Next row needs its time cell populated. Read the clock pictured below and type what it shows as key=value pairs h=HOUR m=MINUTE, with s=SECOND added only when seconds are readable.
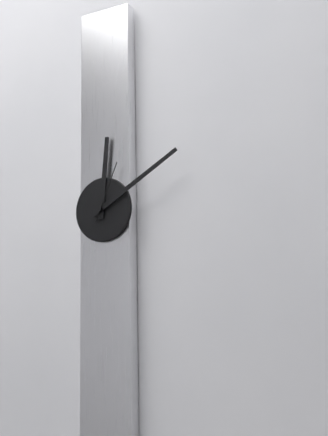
h=12 m=10 s=4
